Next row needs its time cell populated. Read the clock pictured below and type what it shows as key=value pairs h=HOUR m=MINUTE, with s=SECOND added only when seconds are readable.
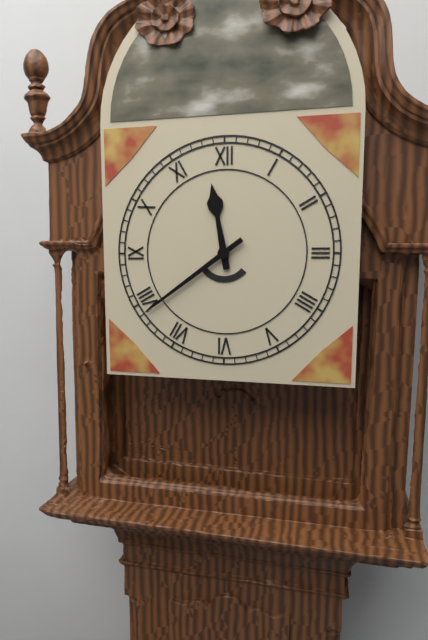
h=11 m=39
